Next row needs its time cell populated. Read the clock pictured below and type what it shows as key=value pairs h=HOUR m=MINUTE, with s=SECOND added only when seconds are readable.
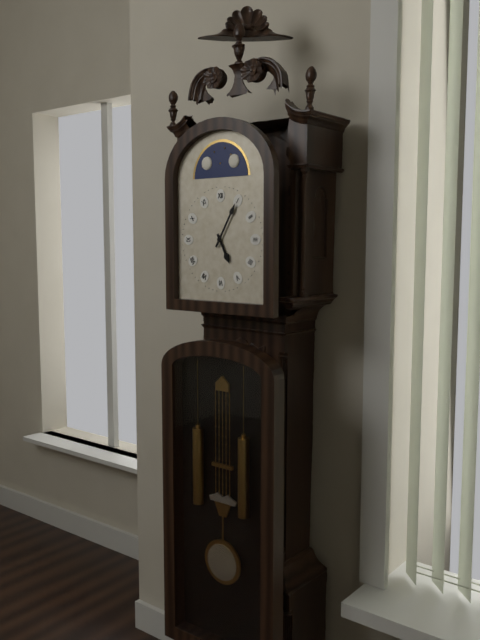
h=5 m=5
